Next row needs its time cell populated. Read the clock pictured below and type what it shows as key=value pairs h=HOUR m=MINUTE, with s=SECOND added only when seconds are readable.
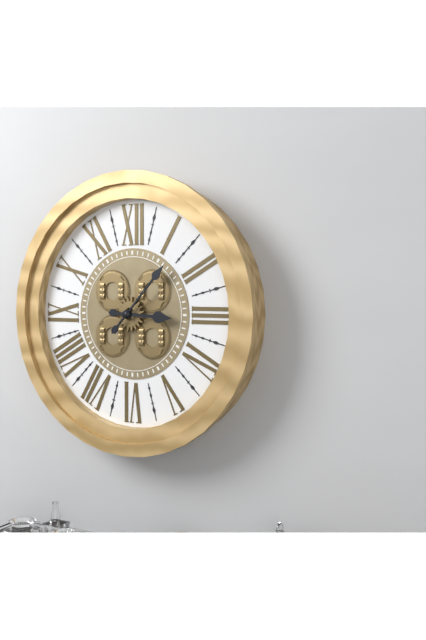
h=3 m=7
